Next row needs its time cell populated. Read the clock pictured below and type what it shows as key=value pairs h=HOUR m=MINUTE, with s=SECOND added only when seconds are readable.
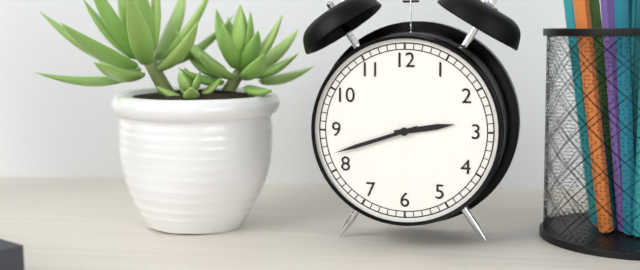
h=2 m=42
